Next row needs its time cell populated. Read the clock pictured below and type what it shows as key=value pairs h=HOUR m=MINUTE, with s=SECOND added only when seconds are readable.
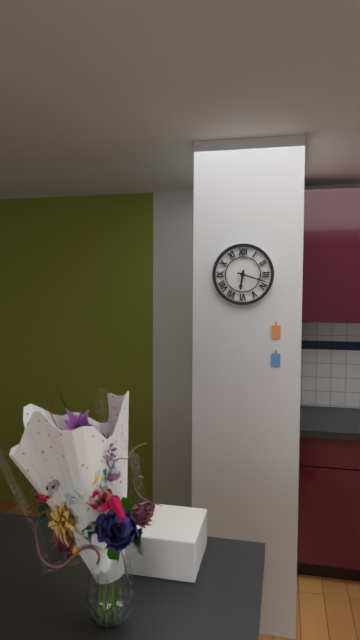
h=6 m=18
